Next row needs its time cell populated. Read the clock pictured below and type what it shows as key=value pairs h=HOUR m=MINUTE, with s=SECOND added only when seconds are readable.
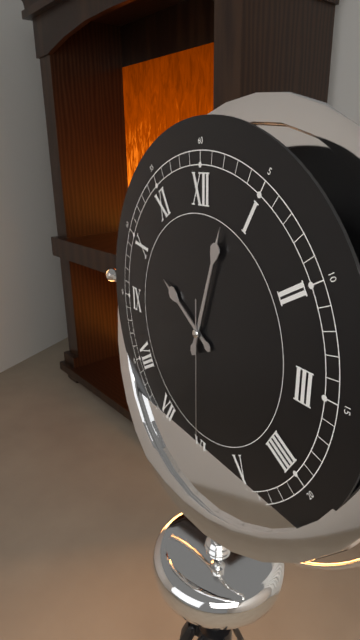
h=10 m=3 s=30
